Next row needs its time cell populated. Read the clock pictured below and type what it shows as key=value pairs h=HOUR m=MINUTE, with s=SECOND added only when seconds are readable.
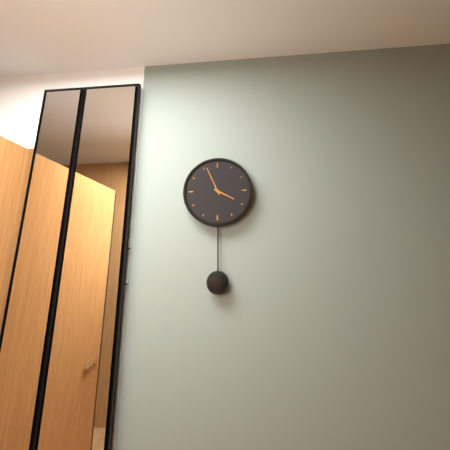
h=3 m=56
